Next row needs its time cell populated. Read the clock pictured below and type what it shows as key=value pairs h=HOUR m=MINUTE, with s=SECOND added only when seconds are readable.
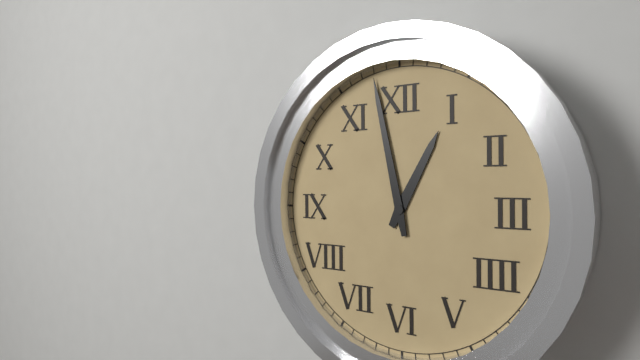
h=12 m=58
